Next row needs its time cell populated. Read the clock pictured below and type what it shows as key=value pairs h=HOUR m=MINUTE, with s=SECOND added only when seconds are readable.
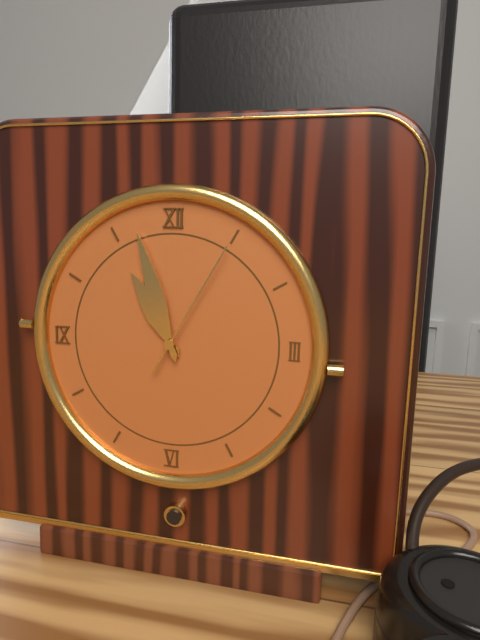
h=10 m=57 s=5
